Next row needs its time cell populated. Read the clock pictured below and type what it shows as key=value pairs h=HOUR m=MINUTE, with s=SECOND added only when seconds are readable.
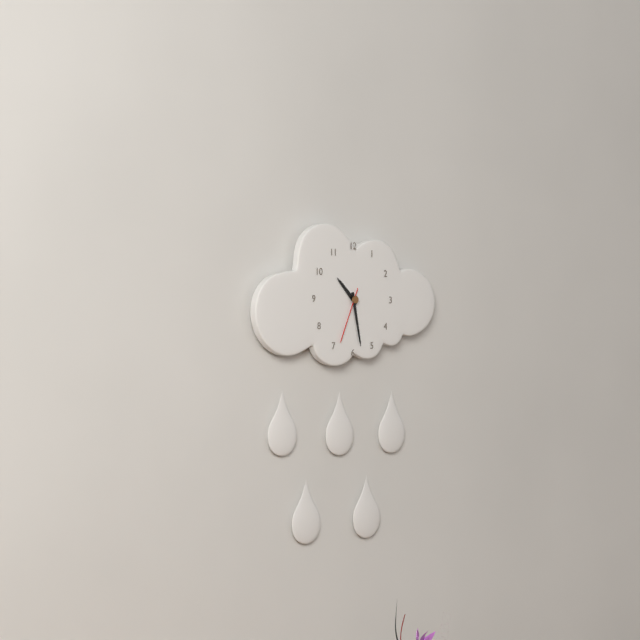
h=10 m=28 s=34
